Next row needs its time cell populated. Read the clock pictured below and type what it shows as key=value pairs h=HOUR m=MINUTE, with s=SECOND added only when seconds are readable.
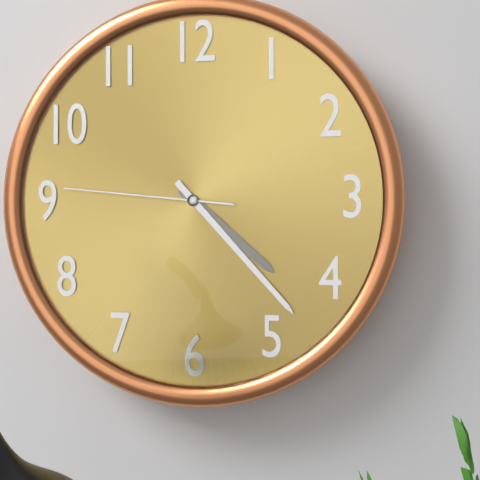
h=4 m=23 s=46
